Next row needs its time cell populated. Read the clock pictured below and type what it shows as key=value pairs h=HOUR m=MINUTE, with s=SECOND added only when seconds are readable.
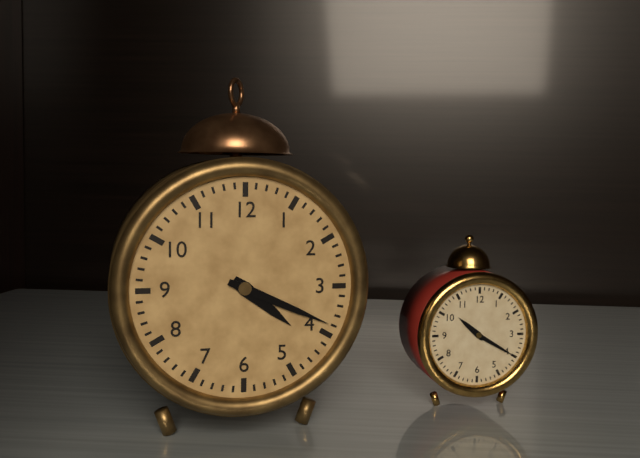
h=4 m=19
